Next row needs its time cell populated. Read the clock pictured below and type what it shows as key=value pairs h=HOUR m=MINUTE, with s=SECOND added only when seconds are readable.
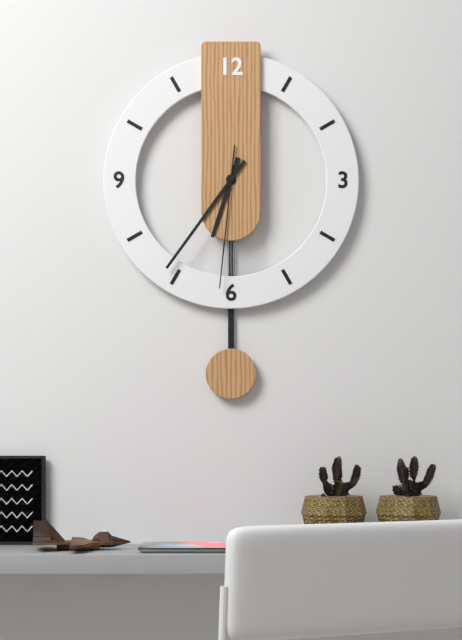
h=6 m=36 s=31
